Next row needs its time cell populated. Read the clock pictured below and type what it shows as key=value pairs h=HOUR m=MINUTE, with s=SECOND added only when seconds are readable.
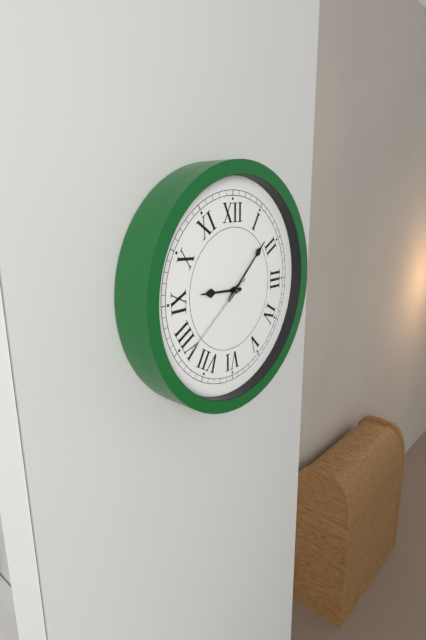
h=9 m=8 s=39
